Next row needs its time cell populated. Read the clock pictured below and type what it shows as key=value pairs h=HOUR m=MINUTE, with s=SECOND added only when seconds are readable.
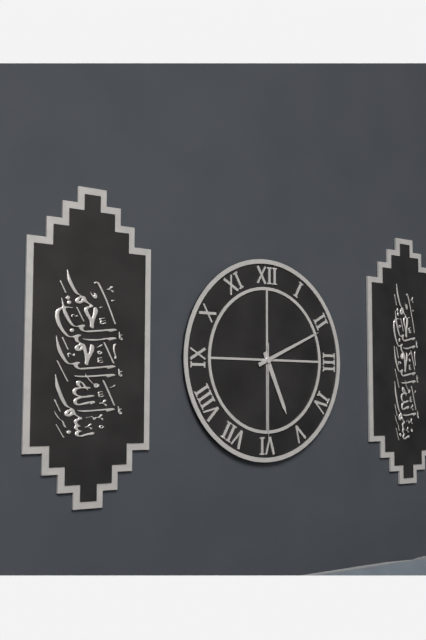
h=5 m=11 s=30
